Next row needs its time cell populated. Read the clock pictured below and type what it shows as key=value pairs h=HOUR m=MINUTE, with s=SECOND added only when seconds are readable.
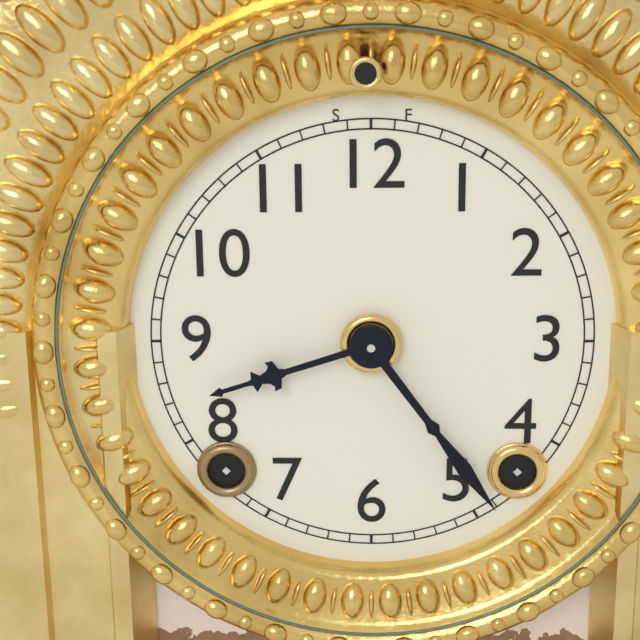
h=8 m=24
